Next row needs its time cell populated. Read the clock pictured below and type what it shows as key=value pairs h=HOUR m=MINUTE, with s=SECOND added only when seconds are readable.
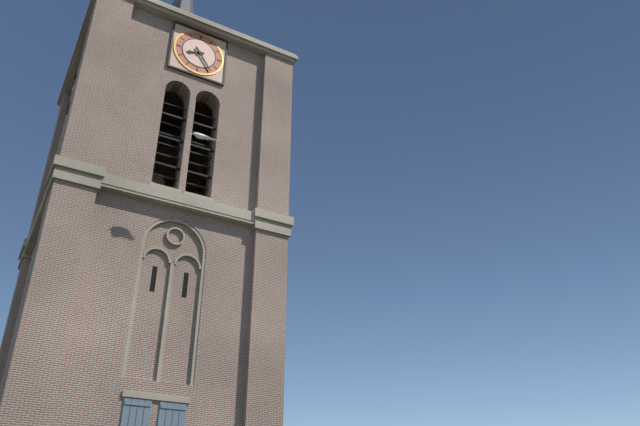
h=8 m=24
